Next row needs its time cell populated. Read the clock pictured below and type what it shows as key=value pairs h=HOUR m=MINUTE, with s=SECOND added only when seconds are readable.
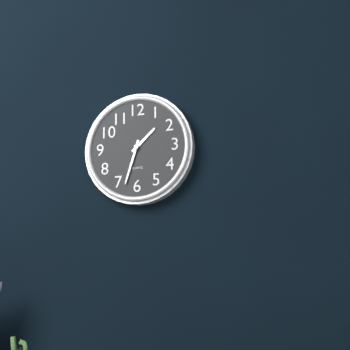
h=1 m=33
